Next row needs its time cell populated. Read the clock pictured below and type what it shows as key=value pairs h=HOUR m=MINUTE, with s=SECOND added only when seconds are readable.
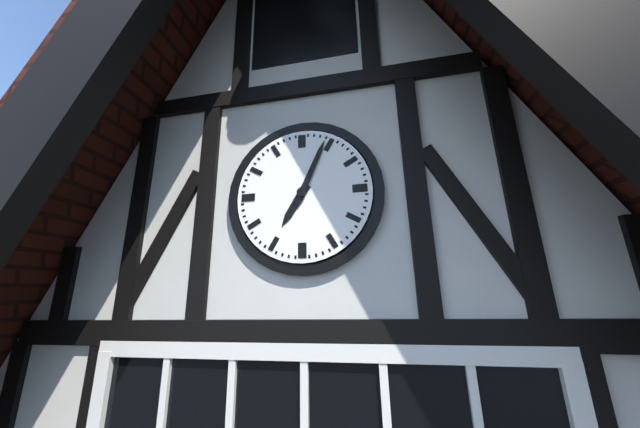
h=7 m=4
